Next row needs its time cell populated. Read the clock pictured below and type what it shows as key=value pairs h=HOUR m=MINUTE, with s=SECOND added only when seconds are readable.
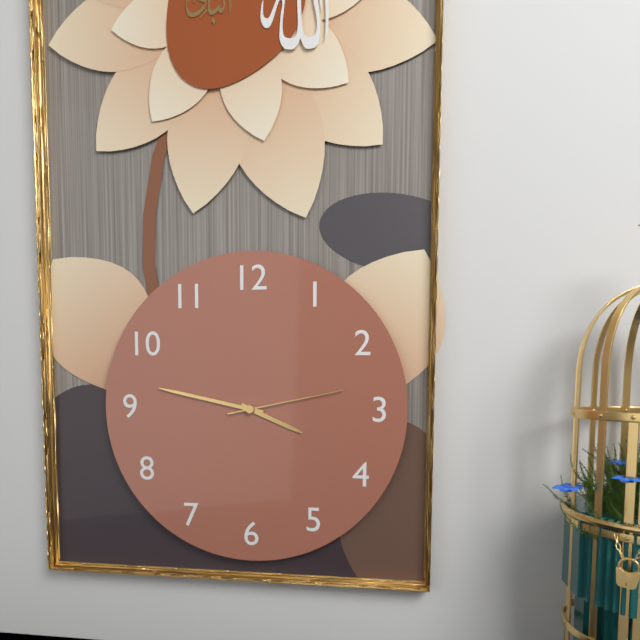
h=3 m=47 s=13
